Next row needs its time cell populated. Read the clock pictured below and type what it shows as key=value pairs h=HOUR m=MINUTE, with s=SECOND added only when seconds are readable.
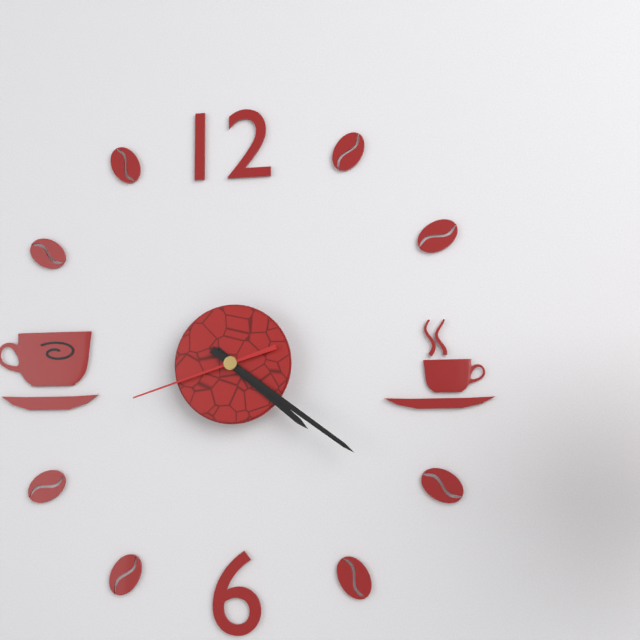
h=4 m=21 s=42
